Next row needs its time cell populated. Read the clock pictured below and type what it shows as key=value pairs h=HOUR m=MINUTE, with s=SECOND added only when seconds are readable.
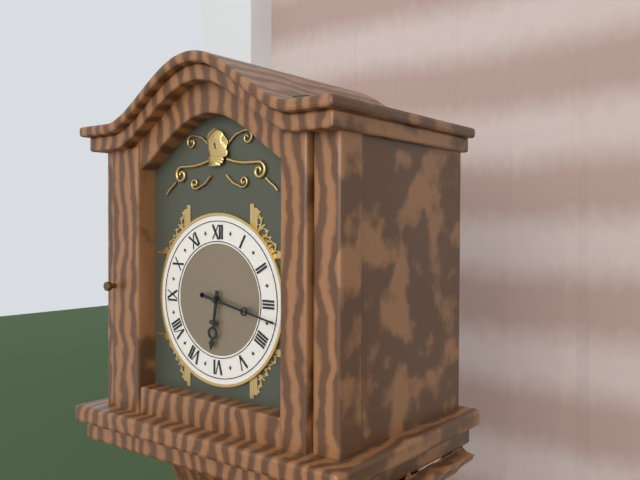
h=6 m=17
